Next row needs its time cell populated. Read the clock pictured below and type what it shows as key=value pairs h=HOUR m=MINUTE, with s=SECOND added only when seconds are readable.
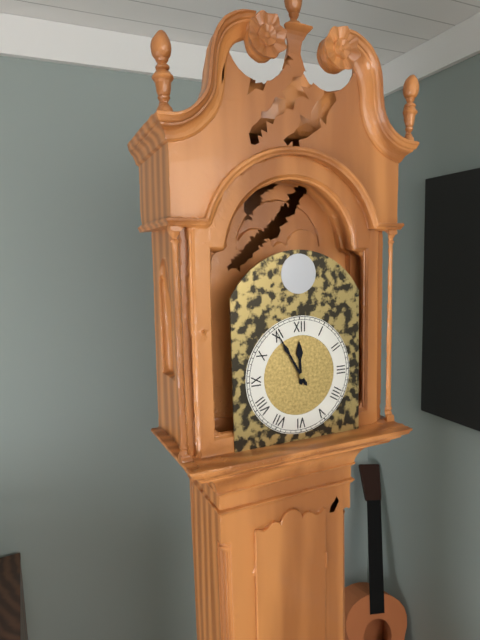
h=11 m=55
